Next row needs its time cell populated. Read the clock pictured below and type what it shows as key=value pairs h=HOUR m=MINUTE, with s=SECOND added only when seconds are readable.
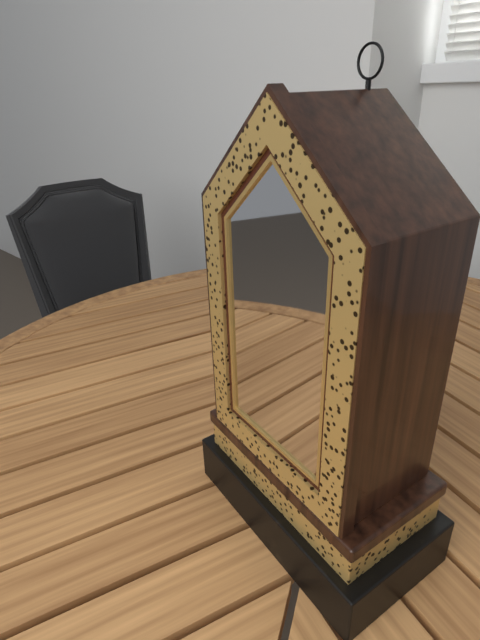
h=4 m=12
